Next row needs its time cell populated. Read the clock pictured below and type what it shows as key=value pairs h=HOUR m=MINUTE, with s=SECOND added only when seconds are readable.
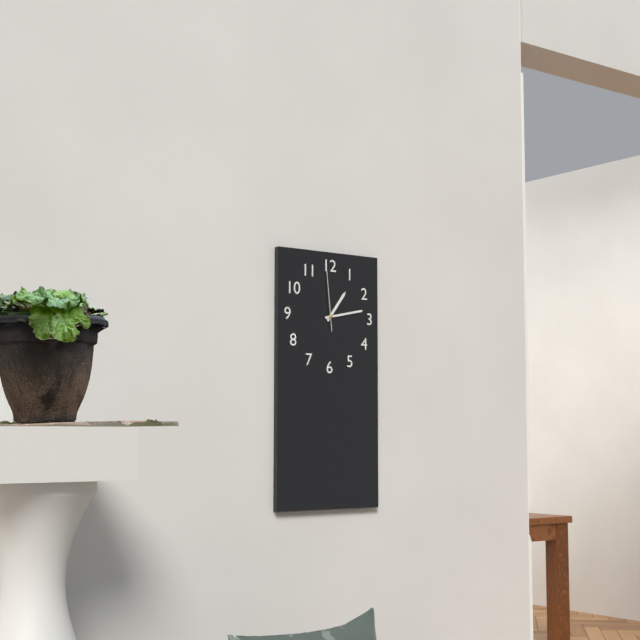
h=1 m=13 s=59
